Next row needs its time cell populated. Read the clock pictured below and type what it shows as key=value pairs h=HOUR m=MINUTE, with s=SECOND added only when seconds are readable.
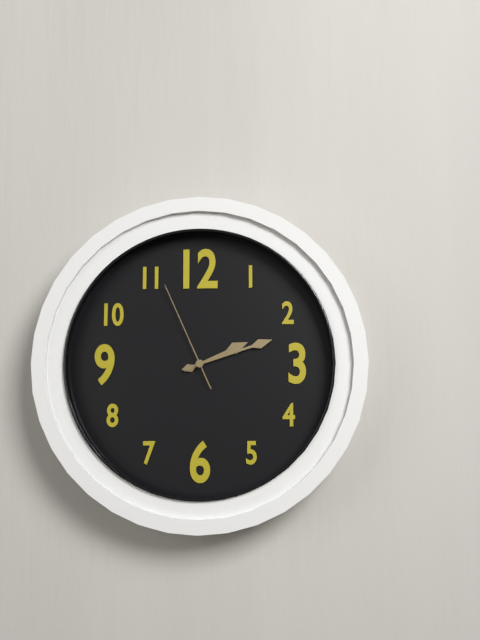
h=2 m=12 s=56
